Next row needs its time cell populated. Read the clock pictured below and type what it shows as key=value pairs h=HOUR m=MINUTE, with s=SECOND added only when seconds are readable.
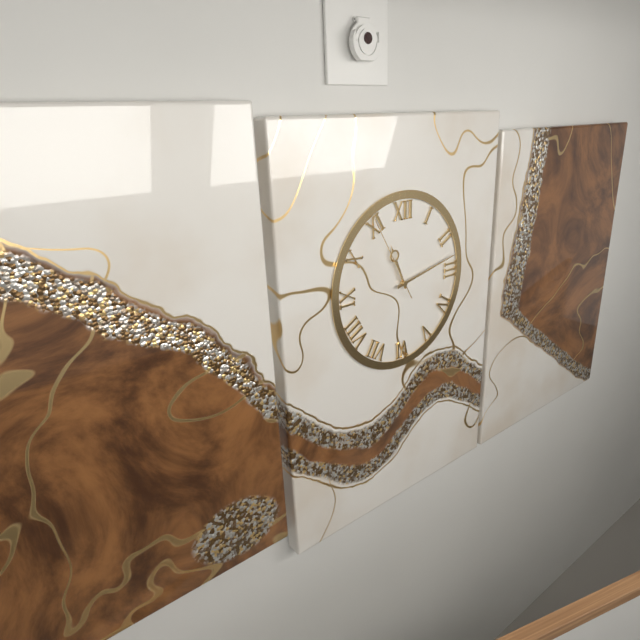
h=11 m=13 s=55
